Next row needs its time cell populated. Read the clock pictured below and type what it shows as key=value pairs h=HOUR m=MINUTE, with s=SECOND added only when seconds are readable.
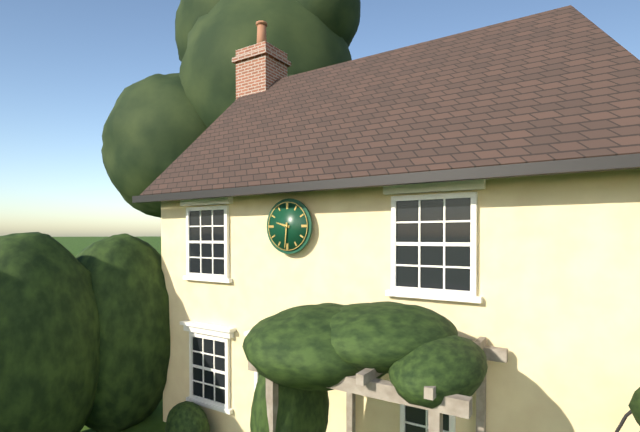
h=9 m=31
